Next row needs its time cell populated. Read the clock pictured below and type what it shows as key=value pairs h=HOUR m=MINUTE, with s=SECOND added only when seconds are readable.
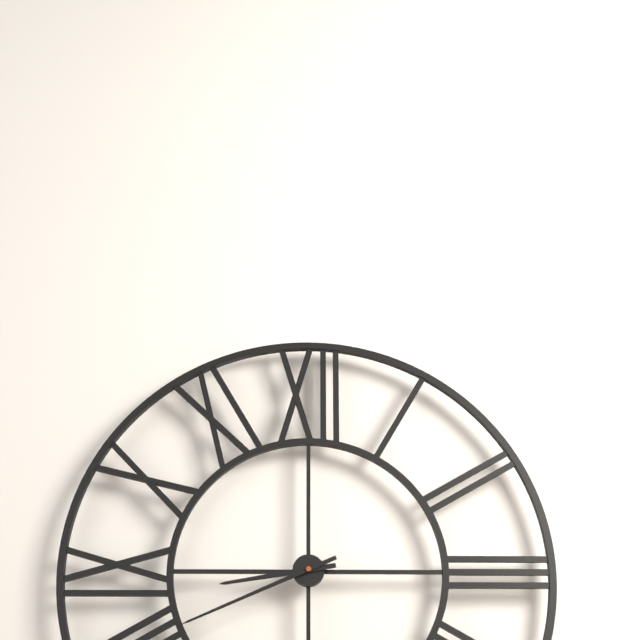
h=8 m=41
